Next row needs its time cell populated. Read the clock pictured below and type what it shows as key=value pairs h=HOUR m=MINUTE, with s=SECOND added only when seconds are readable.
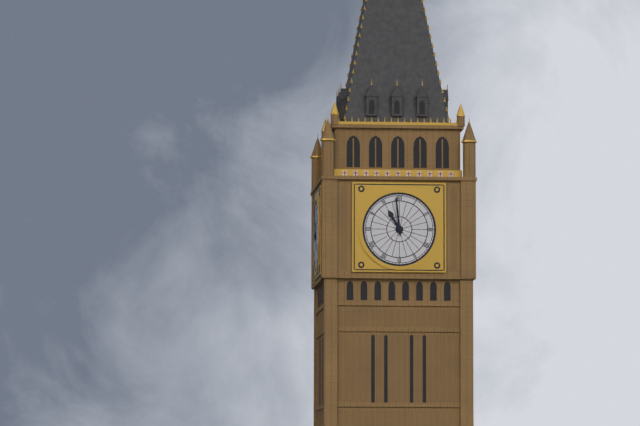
h=10 m=59
